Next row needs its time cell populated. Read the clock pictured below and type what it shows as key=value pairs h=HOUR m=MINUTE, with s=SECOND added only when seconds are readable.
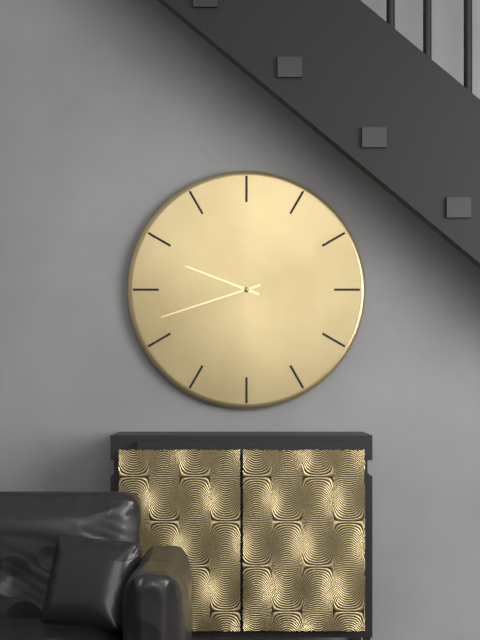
h=9 m=42
